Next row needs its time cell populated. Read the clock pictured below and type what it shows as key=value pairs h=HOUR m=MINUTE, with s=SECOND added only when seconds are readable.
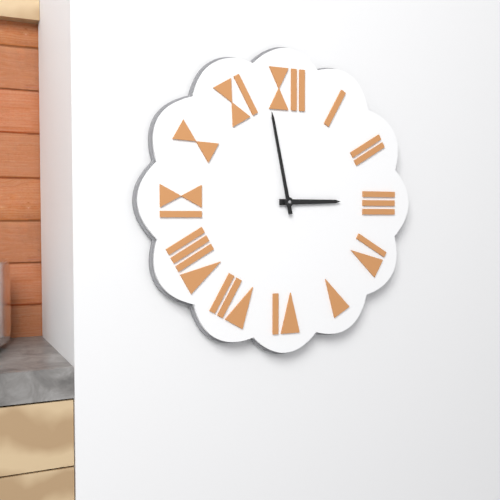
h=2 m=58
